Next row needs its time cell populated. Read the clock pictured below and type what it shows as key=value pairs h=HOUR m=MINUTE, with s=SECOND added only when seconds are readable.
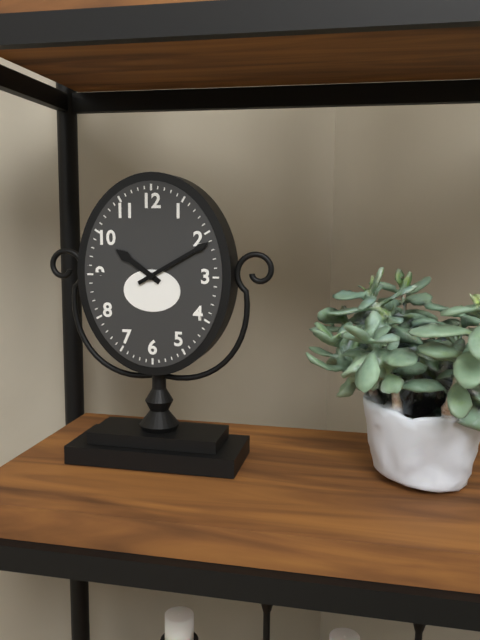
h=10 m=10
